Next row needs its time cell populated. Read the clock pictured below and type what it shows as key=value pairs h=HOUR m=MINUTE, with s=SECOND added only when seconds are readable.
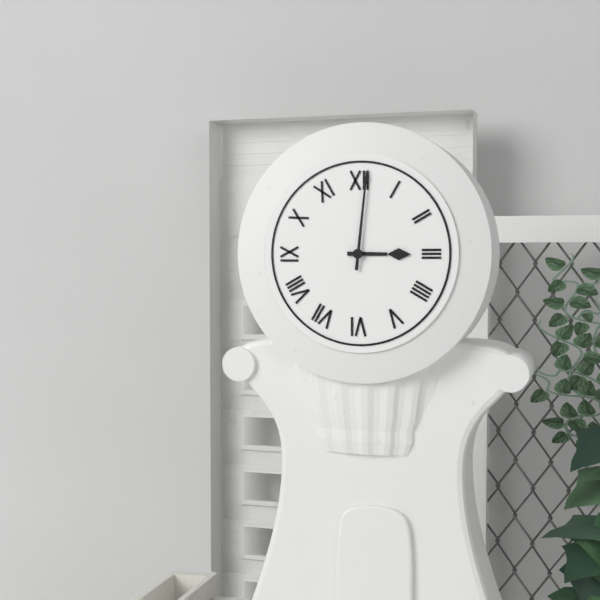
h=3 m=1
